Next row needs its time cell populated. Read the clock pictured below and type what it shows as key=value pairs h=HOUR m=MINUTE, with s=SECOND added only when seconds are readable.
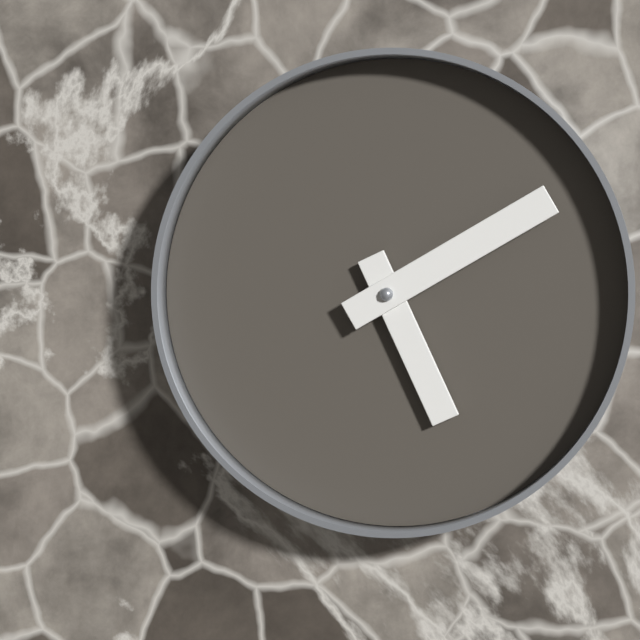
h=5 m=10
